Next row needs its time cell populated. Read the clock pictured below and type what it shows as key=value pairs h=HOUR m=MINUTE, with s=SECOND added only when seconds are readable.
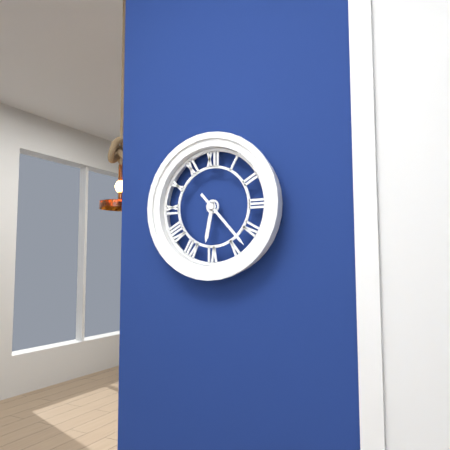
h=6 m=23
